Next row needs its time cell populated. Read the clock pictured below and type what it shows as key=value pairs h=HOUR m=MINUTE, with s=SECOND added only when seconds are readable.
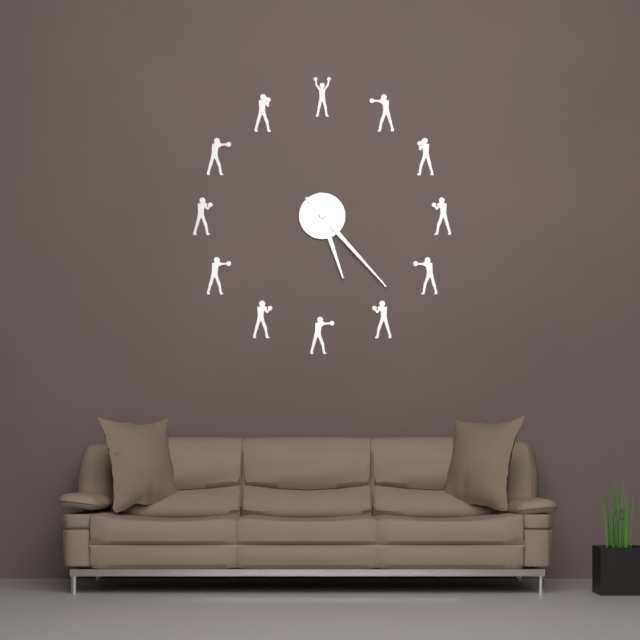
h=5 m=23
